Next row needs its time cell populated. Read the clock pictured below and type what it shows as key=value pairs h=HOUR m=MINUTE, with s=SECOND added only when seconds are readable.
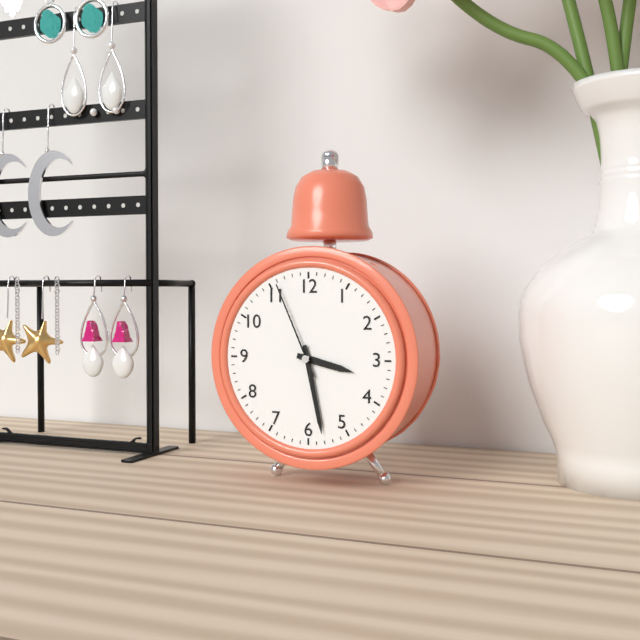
h=3 m=28 s=56
